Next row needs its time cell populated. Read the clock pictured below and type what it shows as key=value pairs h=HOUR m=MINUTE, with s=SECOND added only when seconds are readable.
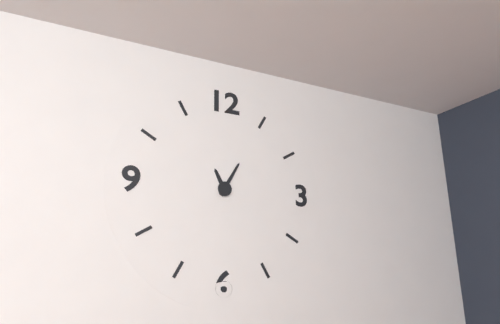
h=11 m=5
